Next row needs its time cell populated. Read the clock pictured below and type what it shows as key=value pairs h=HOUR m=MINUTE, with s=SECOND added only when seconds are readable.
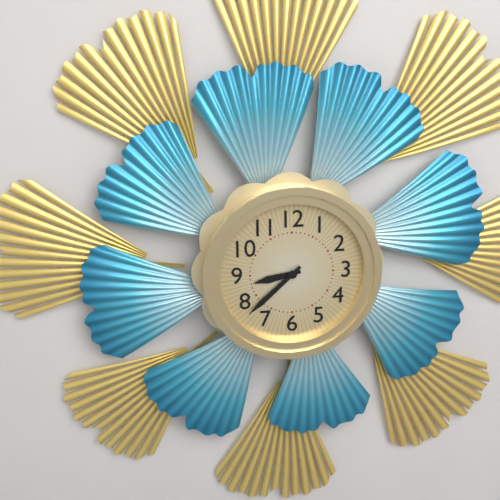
h=8 m=38
